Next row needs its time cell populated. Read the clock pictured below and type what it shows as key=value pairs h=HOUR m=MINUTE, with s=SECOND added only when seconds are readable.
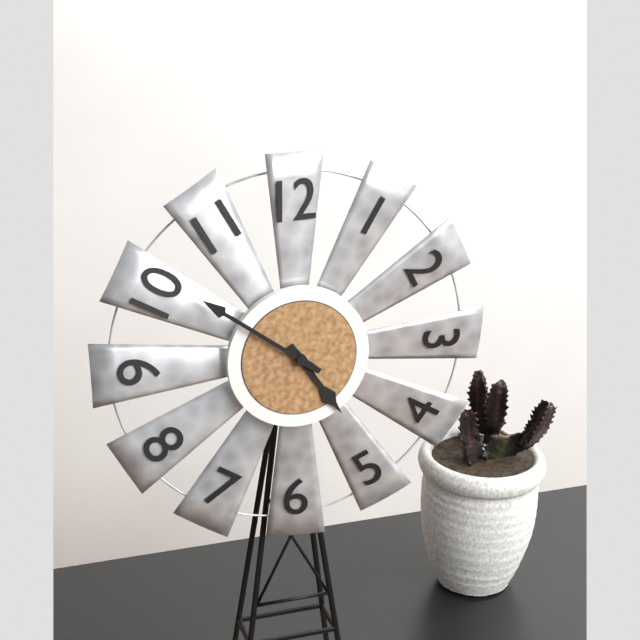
h=4 m=51
